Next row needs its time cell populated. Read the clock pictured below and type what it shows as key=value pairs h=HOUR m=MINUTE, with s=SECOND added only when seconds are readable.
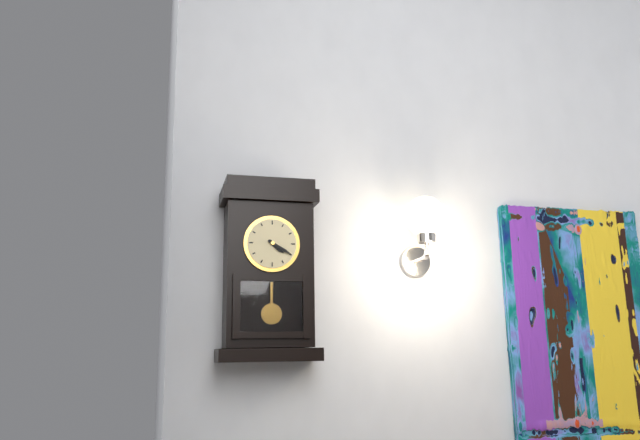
h=4 m=20
